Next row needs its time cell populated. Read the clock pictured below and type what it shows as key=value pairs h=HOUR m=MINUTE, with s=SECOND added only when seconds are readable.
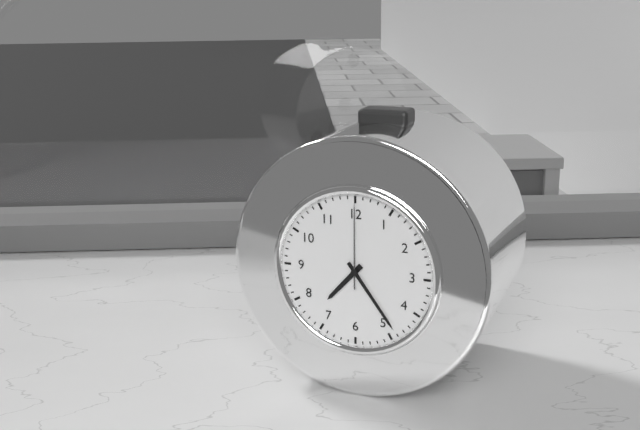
h=7 m=24 s=0
